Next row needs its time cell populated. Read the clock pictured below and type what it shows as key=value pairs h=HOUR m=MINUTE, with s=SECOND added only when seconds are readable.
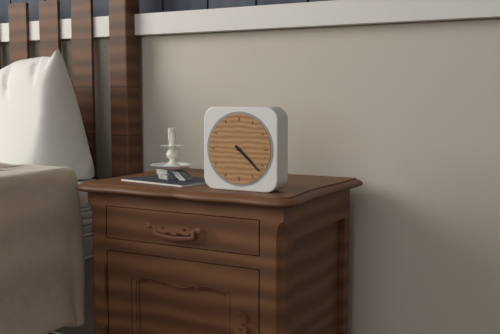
h=4 m=22
